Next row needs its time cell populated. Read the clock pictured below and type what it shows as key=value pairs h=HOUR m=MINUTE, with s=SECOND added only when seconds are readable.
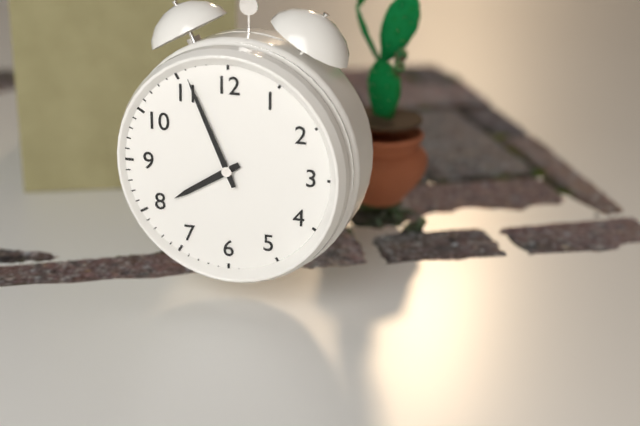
h=7 m=56
